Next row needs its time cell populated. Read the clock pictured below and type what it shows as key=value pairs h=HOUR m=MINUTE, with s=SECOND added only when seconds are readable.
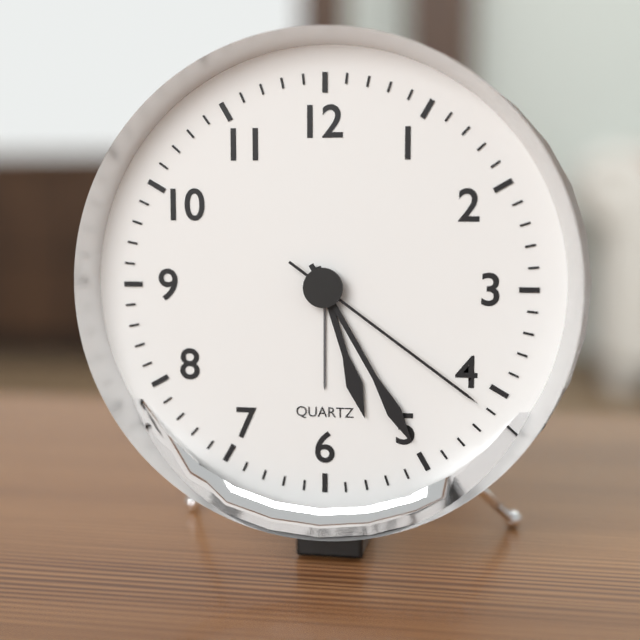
h=5 m=25 s=21
